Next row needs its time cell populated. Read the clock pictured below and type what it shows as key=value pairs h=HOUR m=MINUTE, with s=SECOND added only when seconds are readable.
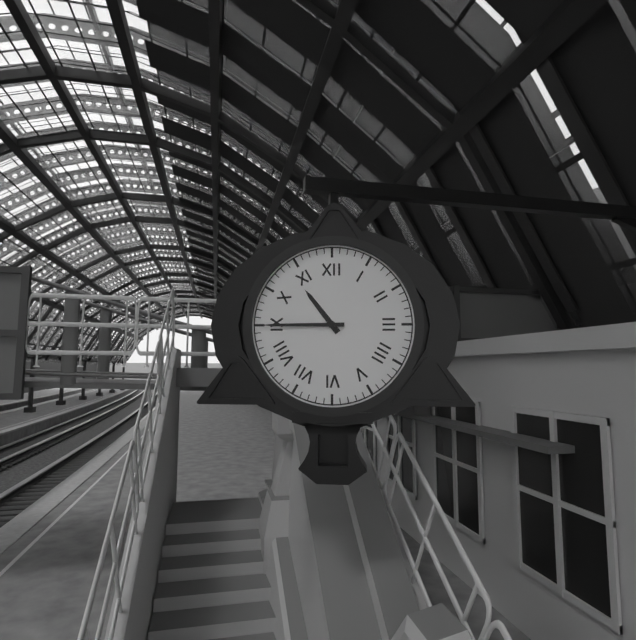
h=10 m=45
